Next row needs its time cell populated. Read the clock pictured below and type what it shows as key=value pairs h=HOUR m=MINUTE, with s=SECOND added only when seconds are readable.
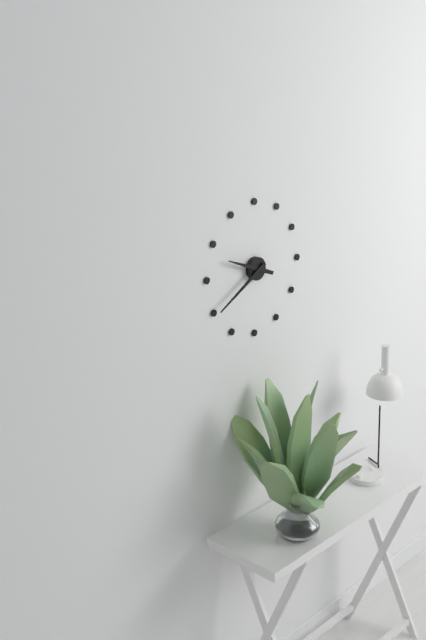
h=9 m=40
